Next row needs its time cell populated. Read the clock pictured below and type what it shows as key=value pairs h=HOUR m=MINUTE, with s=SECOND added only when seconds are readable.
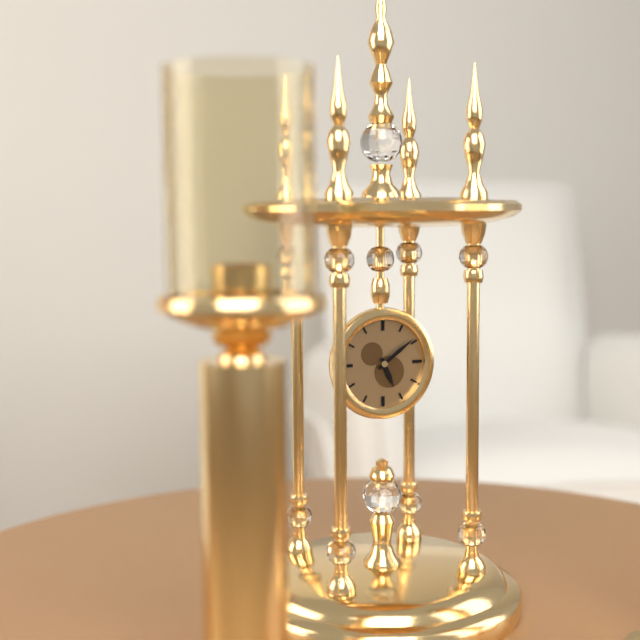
h=5 m=9
